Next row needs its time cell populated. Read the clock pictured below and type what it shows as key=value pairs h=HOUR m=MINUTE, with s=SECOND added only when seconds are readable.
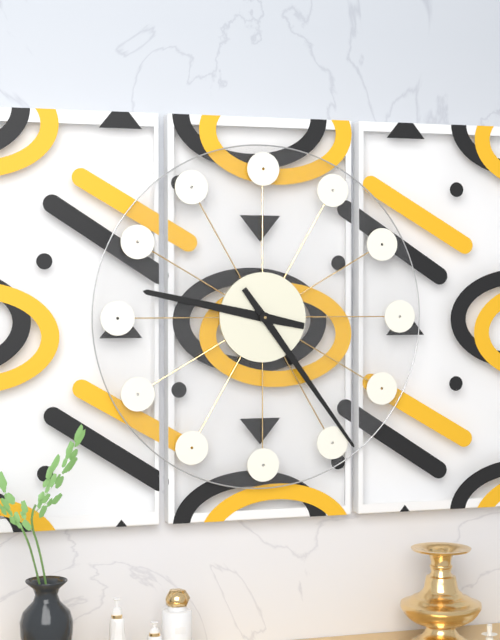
h=9 m=24
